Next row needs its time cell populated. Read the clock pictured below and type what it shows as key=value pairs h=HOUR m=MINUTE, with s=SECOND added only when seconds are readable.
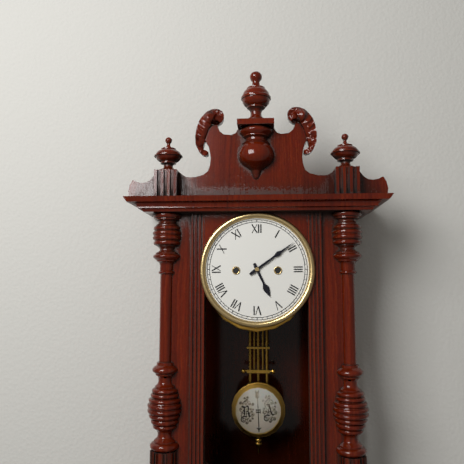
h=5 m=9
